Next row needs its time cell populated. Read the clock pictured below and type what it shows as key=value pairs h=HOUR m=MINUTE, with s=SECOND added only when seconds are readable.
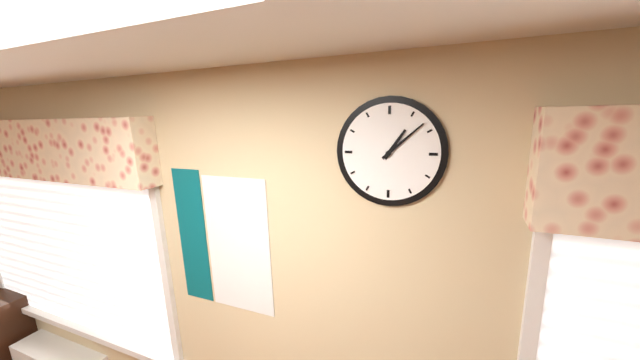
h=1 m=8
